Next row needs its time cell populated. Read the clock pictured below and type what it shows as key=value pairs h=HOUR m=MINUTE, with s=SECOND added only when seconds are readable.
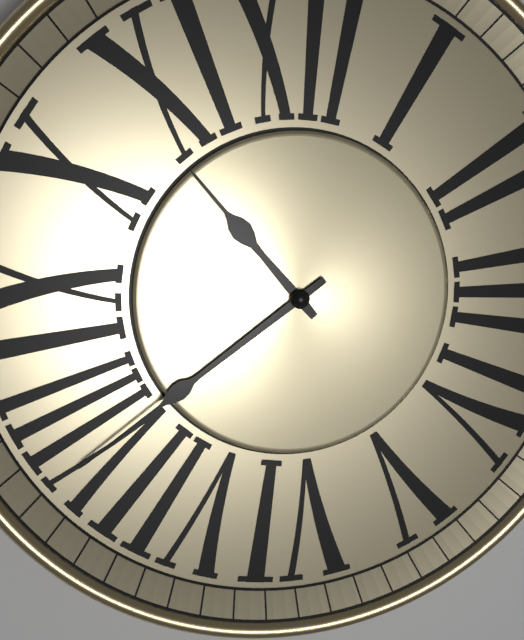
h=10 m=39
